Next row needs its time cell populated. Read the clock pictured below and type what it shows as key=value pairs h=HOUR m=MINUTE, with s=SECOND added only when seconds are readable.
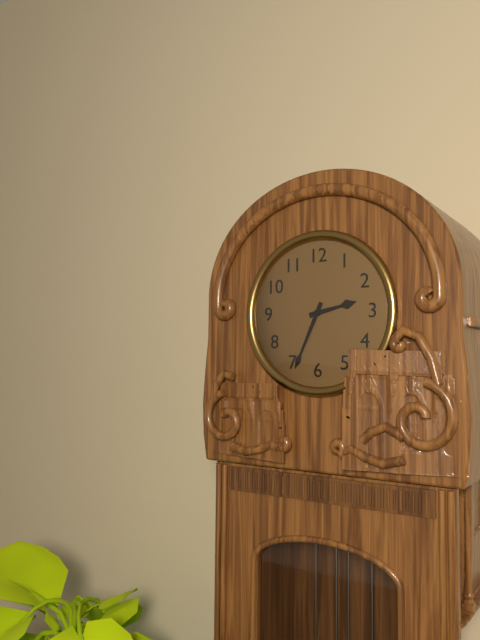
h=2 m=34
